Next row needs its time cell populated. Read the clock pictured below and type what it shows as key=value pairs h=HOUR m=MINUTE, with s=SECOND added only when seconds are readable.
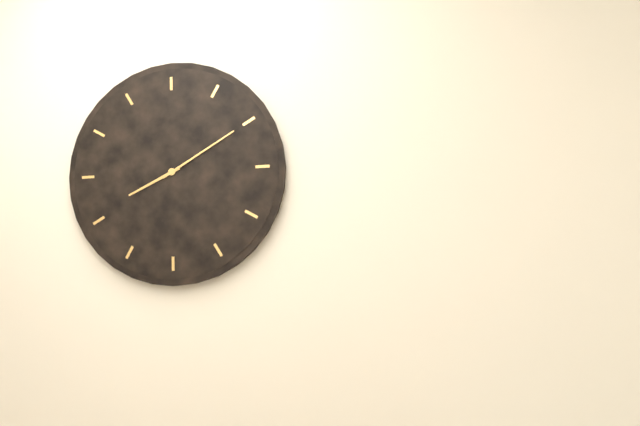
h=8 m=10
